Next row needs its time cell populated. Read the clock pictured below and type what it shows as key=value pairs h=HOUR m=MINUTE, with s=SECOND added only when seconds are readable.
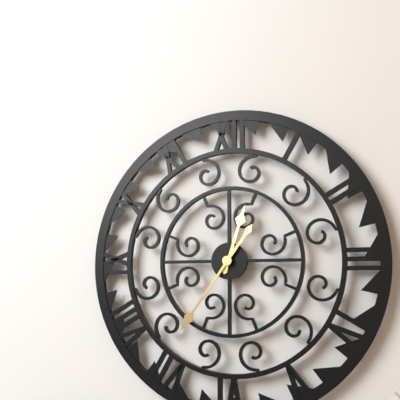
h=12 m=36
